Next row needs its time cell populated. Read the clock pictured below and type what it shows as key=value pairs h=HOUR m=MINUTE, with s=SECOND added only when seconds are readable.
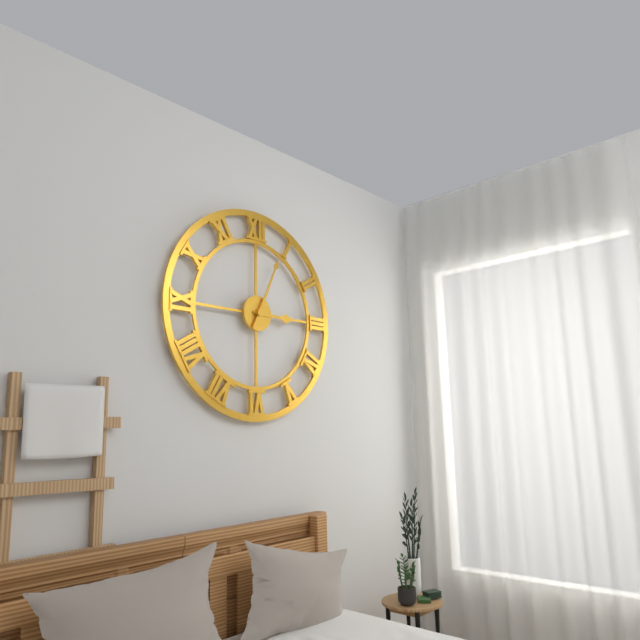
h=3 m=4
